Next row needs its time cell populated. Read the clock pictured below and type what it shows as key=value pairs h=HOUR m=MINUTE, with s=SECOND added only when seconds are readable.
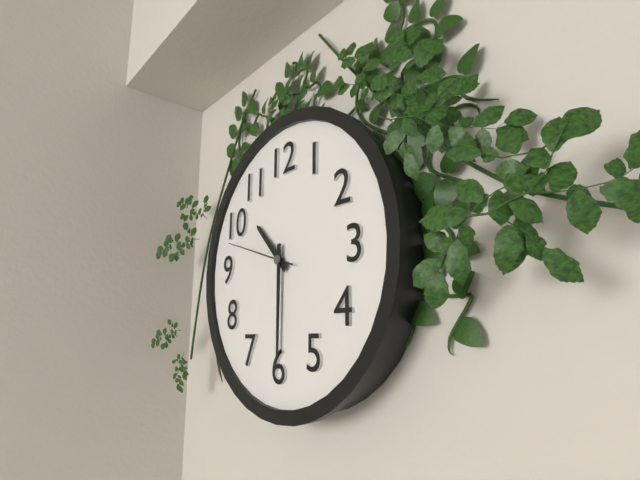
h=10 m=30 s=48
